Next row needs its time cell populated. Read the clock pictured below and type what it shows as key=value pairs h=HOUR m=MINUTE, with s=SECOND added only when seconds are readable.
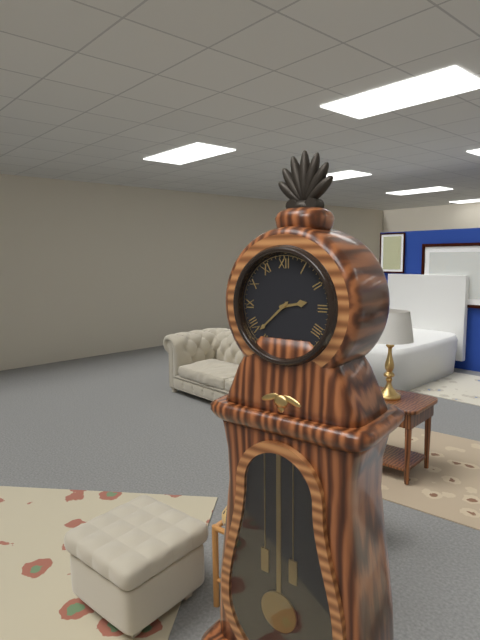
h=2 m=38
